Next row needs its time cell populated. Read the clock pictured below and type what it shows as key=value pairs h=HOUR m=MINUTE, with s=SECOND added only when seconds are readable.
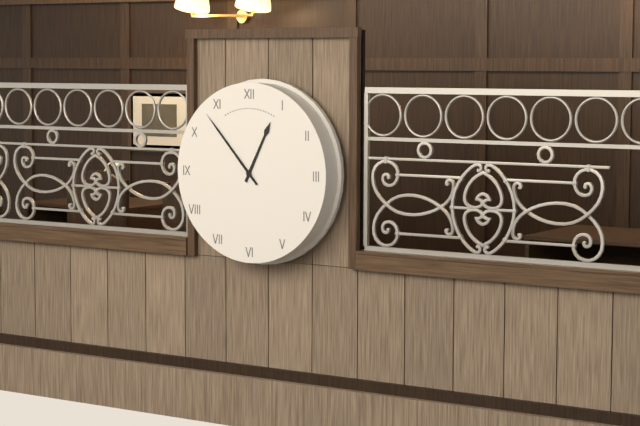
h=12 m=53
